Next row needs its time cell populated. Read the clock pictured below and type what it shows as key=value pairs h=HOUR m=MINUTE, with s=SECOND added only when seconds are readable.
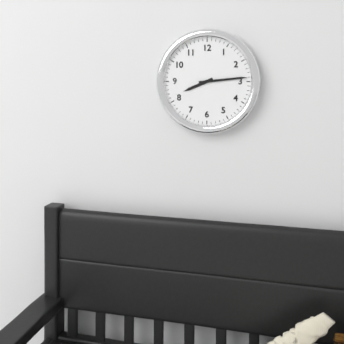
h=8 m=14
